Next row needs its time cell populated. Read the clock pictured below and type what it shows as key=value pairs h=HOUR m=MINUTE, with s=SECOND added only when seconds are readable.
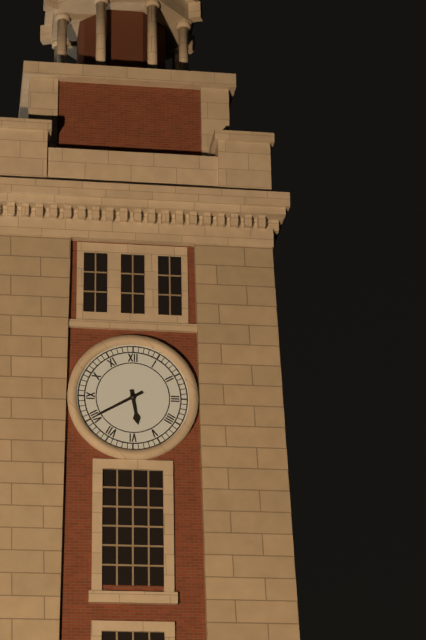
h=5 m=40
